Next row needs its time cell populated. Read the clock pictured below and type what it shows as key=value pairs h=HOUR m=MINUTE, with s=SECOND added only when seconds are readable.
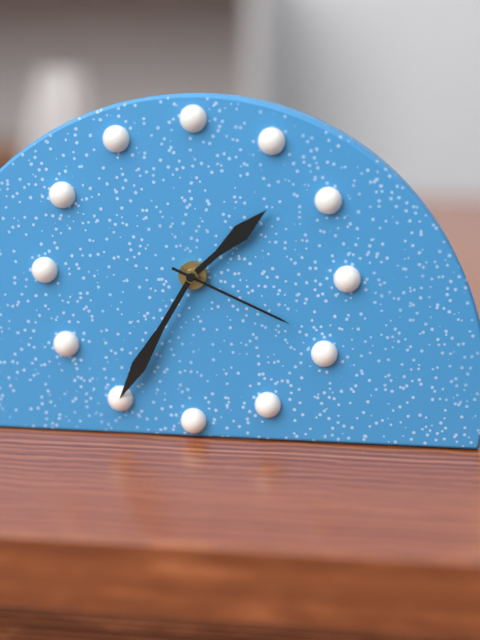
h=1 m=35 s=19
